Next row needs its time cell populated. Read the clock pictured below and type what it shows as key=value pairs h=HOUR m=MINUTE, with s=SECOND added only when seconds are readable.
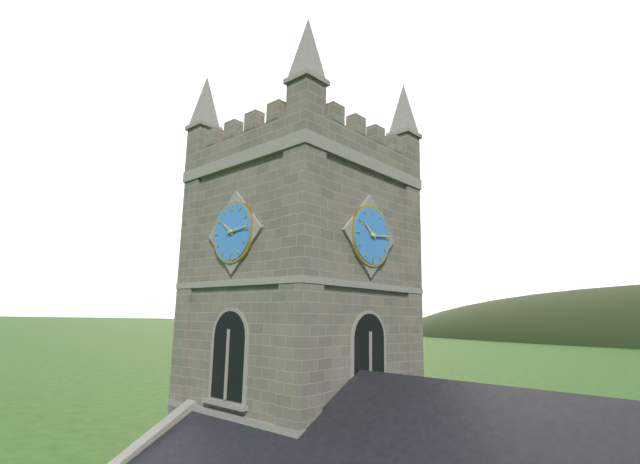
h=10 m=14
